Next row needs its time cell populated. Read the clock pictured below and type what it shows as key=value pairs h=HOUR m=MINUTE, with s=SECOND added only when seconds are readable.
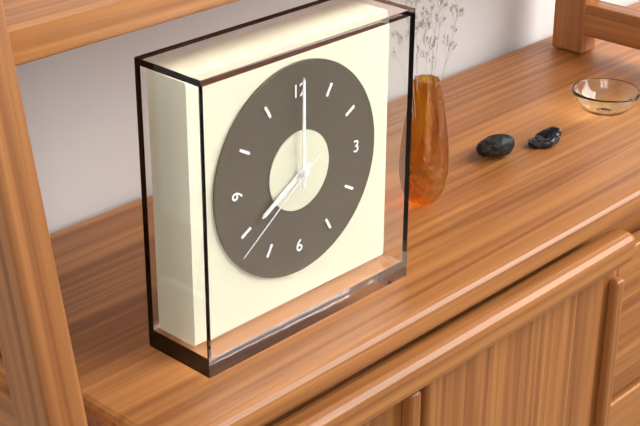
h=8 m=0 s=39
